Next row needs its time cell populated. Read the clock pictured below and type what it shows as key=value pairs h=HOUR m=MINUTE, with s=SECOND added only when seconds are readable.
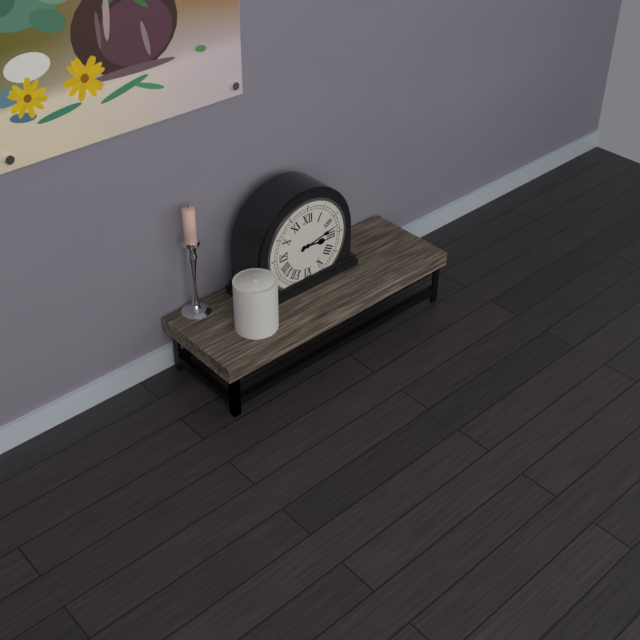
h=3 m=13
